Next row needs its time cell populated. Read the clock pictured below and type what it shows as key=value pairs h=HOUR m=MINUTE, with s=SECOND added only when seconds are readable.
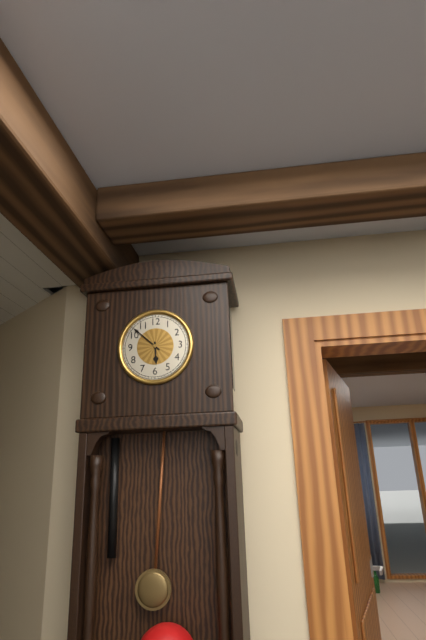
h=5 m=52
